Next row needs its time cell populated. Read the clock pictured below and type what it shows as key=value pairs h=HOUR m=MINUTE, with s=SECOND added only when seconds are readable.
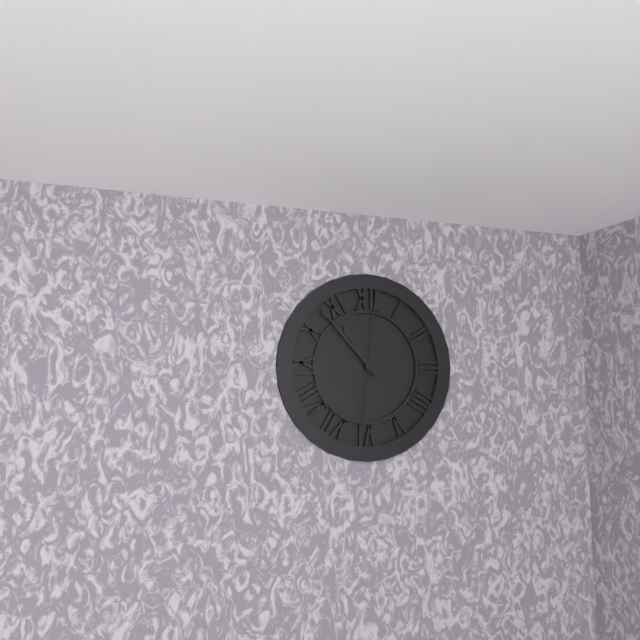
h=10 m=53 s=1
